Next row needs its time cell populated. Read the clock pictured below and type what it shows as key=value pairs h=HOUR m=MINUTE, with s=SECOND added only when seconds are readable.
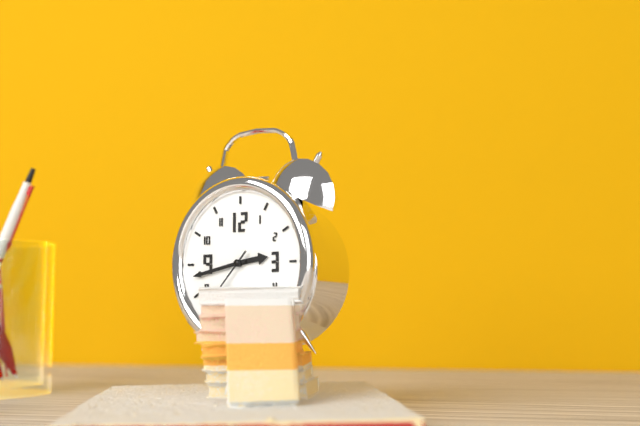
h=2 m=43
